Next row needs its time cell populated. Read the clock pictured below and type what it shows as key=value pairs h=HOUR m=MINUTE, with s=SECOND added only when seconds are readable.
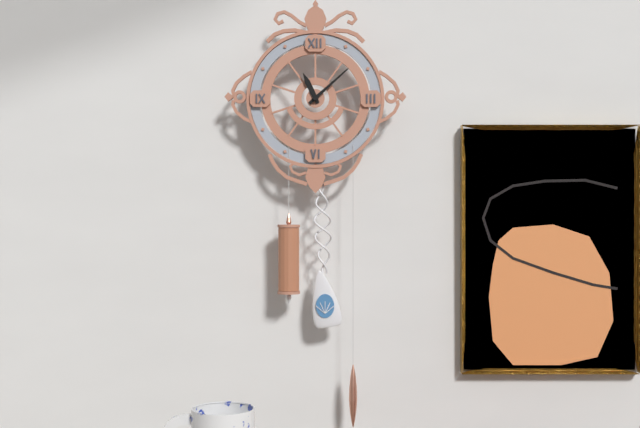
h=11 m=8
